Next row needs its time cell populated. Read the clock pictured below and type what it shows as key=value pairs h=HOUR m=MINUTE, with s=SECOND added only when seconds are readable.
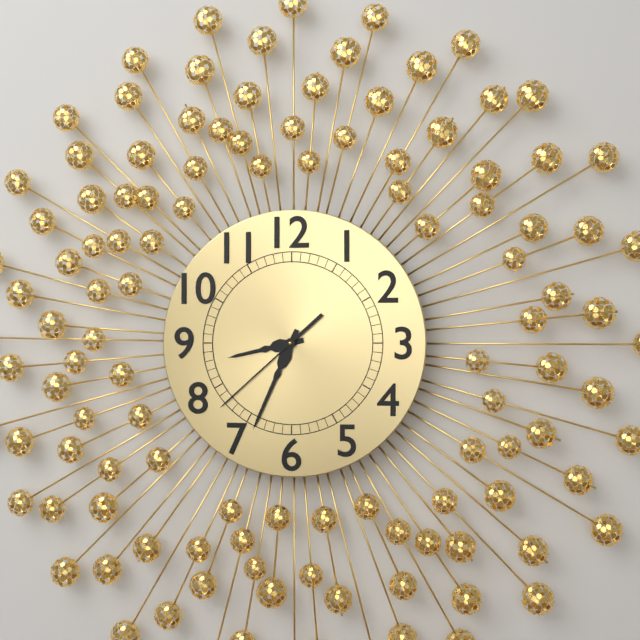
h=8 m=34 s=38
